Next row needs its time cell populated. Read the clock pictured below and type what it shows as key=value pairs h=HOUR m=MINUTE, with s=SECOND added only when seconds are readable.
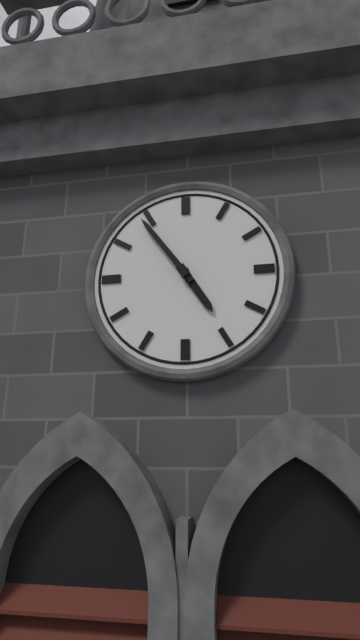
h=4 m=54
